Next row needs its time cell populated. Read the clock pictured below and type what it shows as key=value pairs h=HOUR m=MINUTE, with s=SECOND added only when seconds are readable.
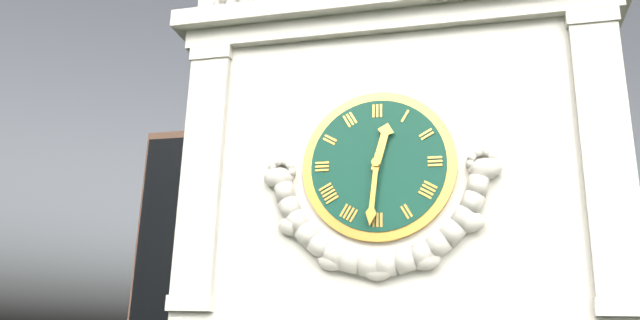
h=12 m=31
